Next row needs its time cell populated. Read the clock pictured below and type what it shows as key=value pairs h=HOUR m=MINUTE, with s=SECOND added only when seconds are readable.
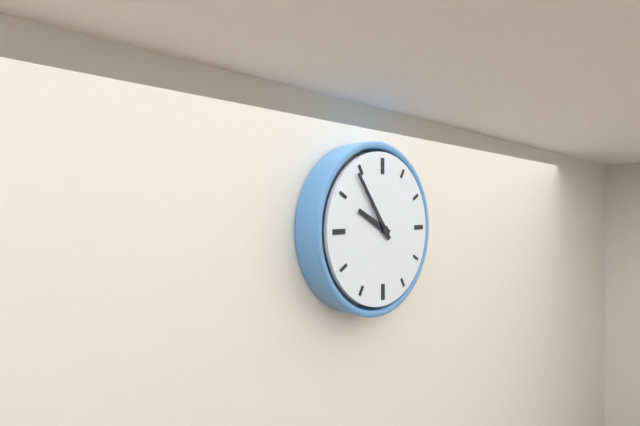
h=9 m=54
